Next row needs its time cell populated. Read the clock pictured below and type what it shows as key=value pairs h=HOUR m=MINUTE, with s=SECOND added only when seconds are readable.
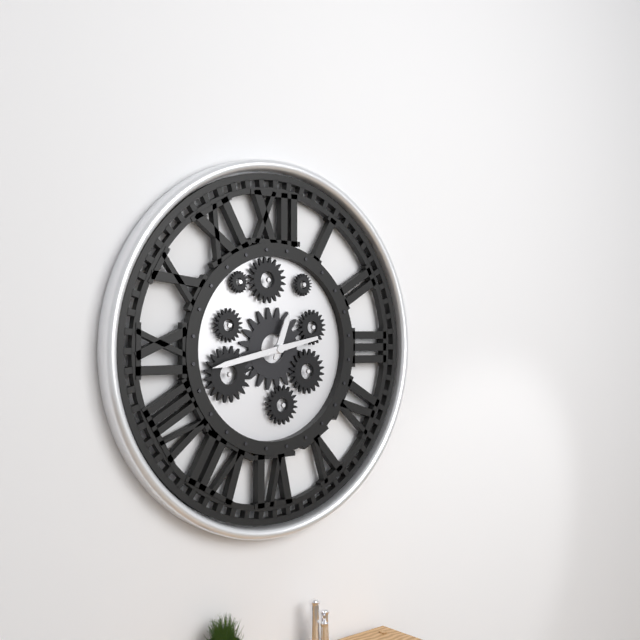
h=12 m=43
